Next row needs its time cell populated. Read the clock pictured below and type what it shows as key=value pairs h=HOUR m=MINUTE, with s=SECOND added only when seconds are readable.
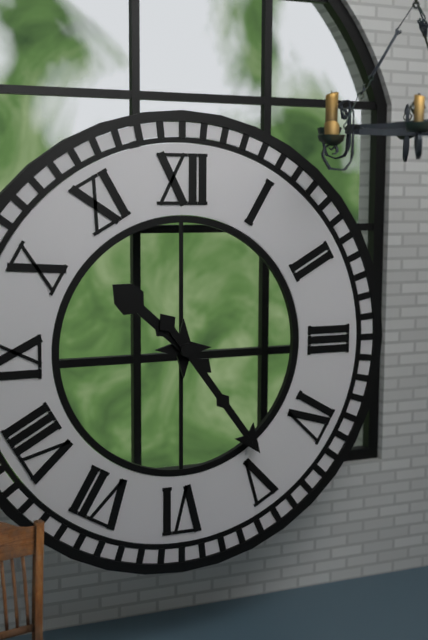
h=10 m=24
